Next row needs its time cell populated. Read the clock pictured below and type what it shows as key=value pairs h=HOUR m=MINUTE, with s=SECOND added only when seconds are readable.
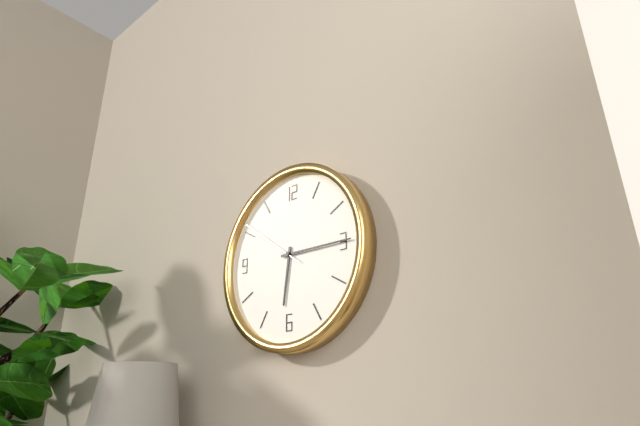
h=6 m=15 s=51
